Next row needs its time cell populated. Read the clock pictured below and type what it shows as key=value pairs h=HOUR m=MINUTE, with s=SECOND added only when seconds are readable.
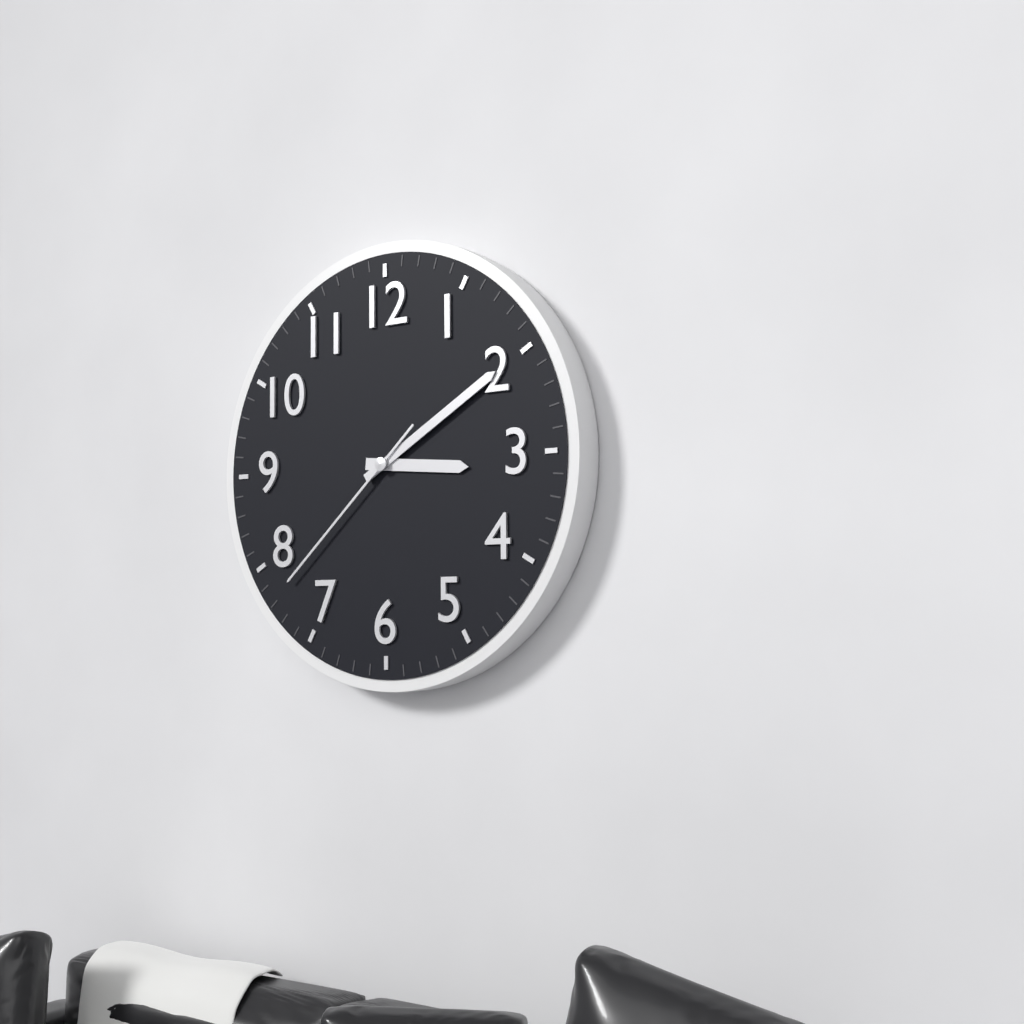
h=3 m=10 s=38
